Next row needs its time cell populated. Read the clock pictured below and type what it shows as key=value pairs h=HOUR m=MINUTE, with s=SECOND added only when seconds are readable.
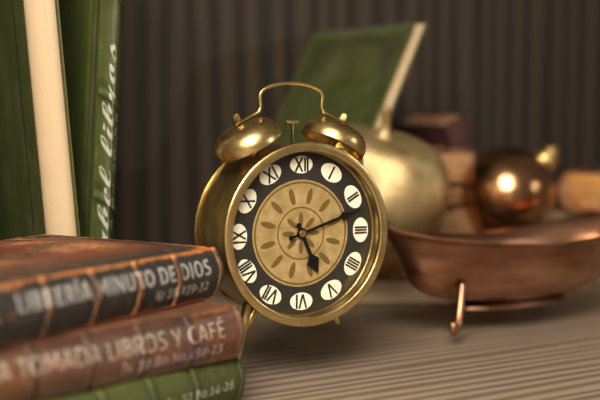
h=5 m=12
